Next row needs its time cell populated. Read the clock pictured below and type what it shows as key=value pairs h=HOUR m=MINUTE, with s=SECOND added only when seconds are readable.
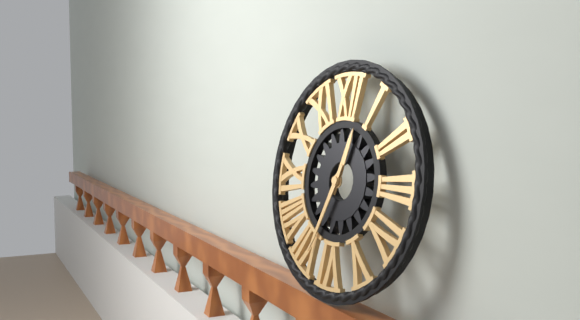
h=12 m=34
